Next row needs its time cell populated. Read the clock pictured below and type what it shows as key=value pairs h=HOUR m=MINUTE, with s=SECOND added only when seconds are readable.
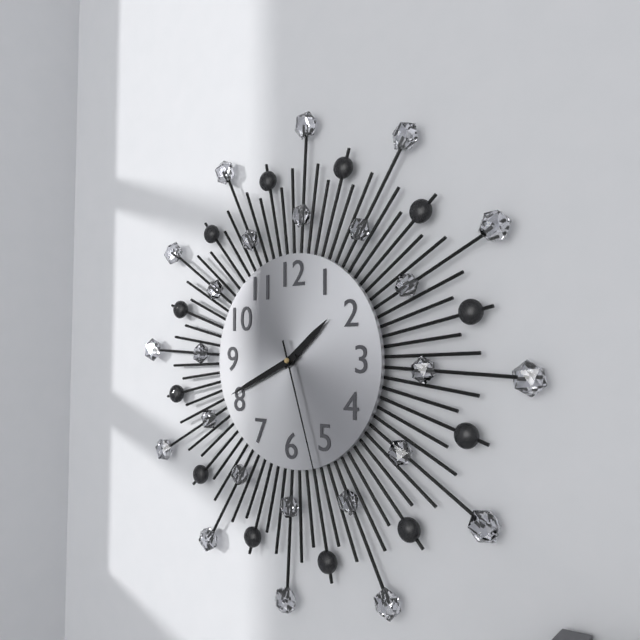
h=1 m=41 s=27
